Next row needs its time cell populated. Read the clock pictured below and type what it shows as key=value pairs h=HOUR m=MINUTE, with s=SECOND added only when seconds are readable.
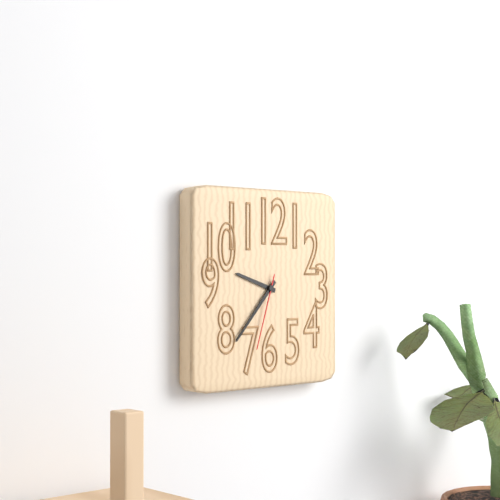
h=9 m=37 s=33
